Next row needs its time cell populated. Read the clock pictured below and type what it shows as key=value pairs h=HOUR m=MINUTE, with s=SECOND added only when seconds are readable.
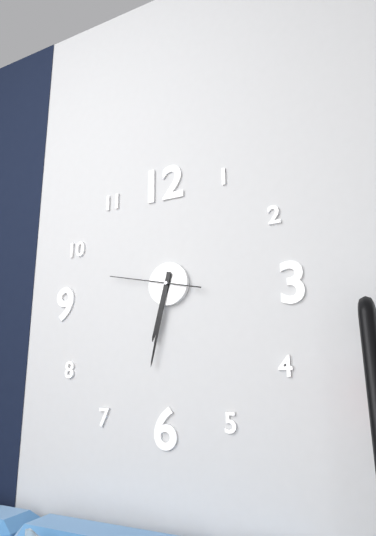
h=6 m=32 s=47
